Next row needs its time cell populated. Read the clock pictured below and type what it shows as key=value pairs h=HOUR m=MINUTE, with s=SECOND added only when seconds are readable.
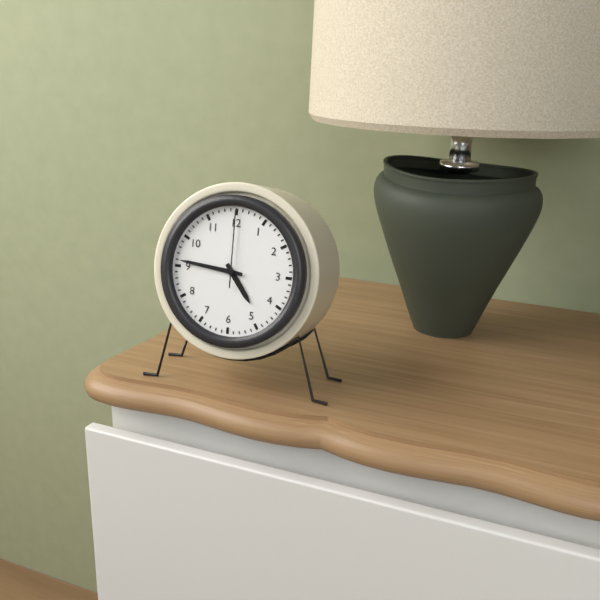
h=4 m=46 s=0
